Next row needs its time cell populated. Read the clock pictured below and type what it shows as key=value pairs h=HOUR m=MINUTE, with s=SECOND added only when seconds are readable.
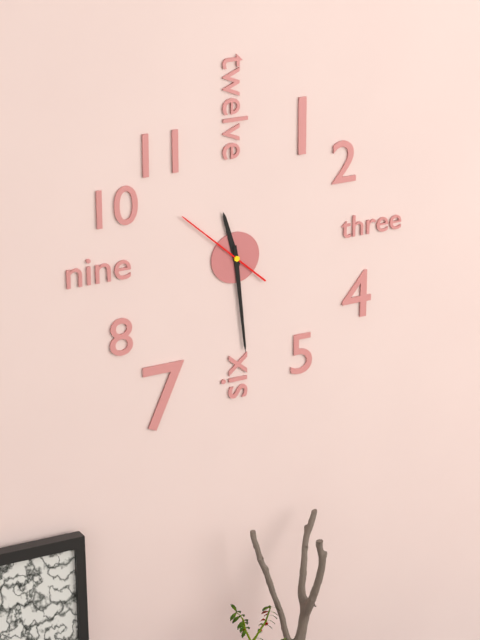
h=11 m=29 s=52
